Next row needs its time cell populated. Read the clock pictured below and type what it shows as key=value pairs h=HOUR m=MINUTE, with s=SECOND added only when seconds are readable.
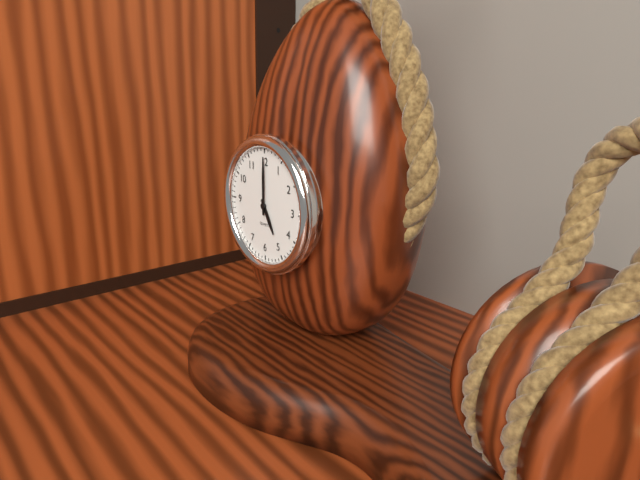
h=5 m=0
